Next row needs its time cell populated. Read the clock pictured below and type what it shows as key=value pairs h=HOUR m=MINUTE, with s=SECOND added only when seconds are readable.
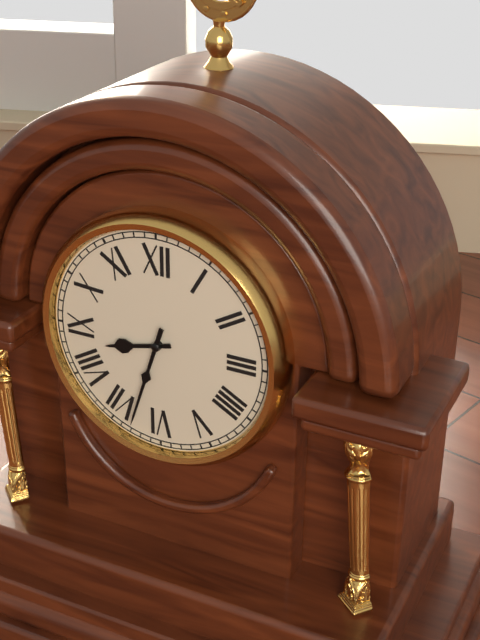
h=8 m=33
